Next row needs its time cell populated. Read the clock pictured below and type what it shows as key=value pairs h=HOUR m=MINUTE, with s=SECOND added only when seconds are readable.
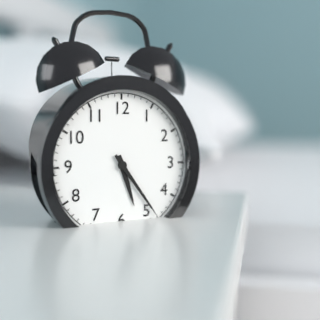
h=5 m=24
